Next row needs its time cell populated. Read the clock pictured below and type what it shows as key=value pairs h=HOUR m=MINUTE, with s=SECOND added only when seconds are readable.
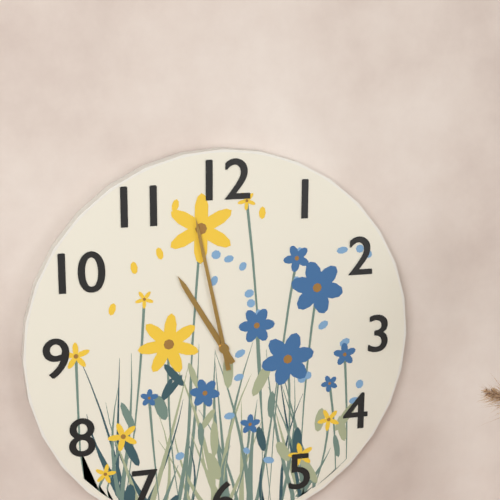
h=10 m=58
